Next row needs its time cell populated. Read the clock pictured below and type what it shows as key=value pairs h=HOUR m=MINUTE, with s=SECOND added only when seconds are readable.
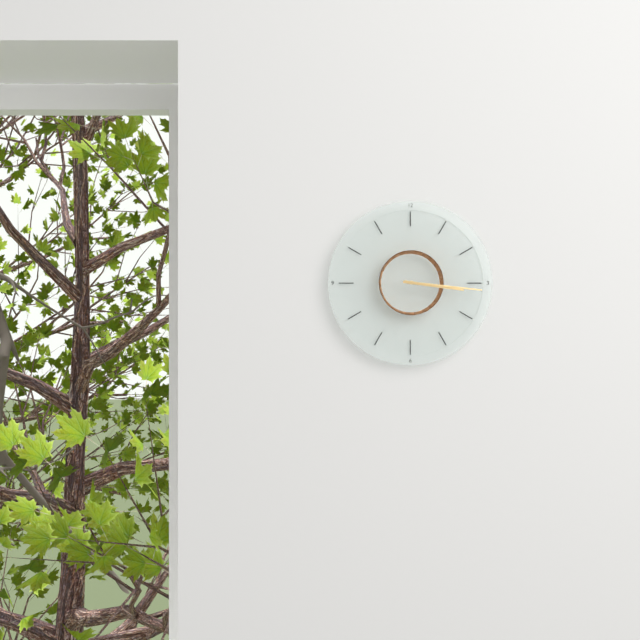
h=3 m=16
